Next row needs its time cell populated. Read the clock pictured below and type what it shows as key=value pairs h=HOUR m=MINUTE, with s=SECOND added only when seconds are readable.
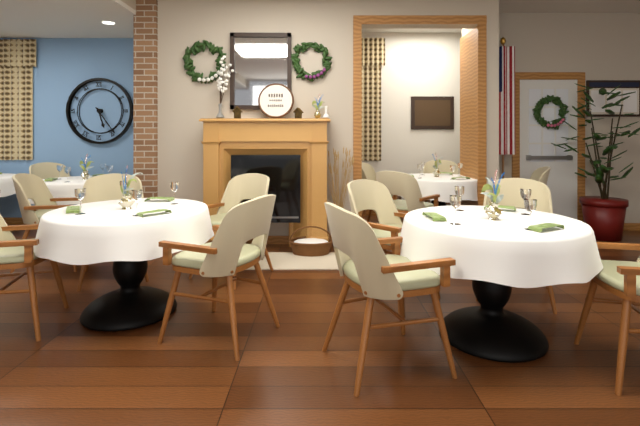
h=5 m=24
